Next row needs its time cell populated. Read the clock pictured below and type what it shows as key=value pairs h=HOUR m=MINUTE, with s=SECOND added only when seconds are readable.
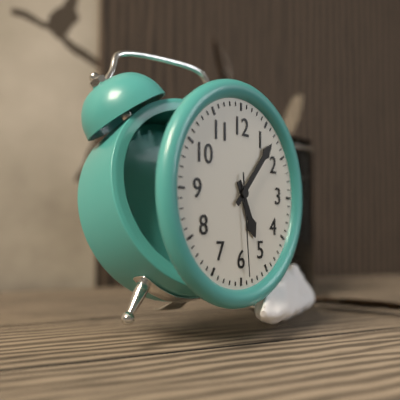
h=5 m=7 s=29
